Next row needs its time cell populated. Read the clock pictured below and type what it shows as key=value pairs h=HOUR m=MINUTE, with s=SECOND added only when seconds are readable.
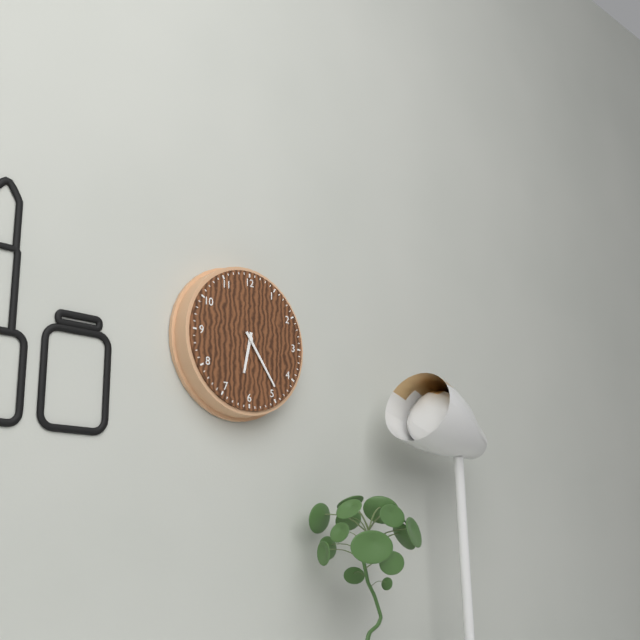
h=6 m=24
